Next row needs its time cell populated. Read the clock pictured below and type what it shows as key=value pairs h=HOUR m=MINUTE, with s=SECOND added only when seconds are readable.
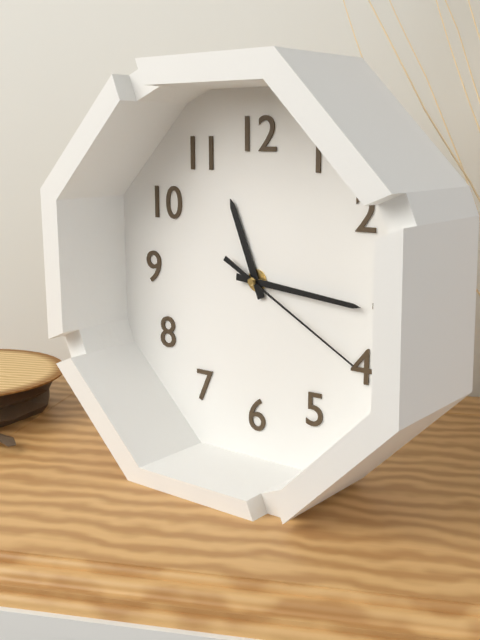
h=11 m=16 s=20
